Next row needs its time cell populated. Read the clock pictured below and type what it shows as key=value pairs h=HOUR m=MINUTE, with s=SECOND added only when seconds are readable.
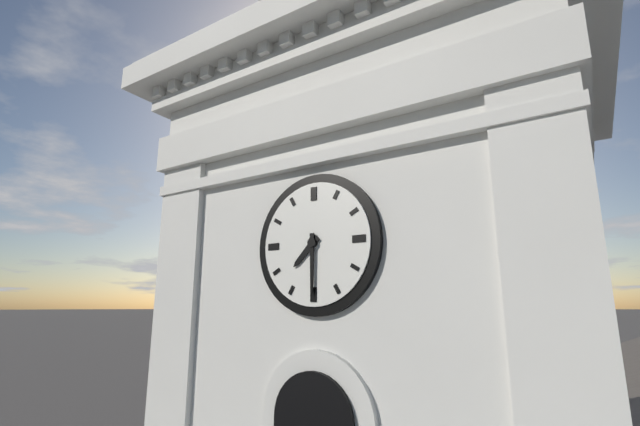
h=7 m=30
